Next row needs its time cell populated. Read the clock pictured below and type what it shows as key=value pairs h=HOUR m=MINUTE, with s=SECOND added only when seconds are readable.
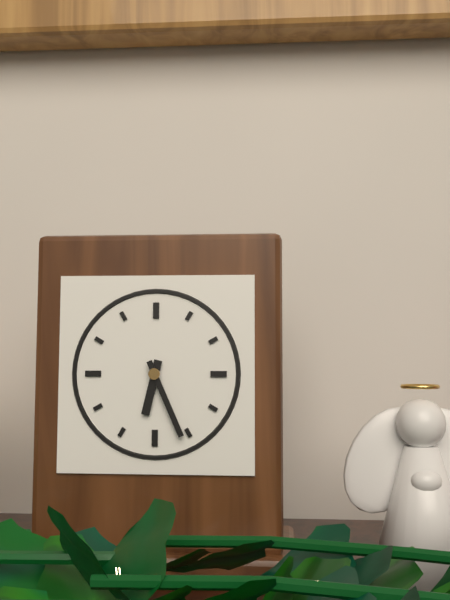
h=6 m=26
